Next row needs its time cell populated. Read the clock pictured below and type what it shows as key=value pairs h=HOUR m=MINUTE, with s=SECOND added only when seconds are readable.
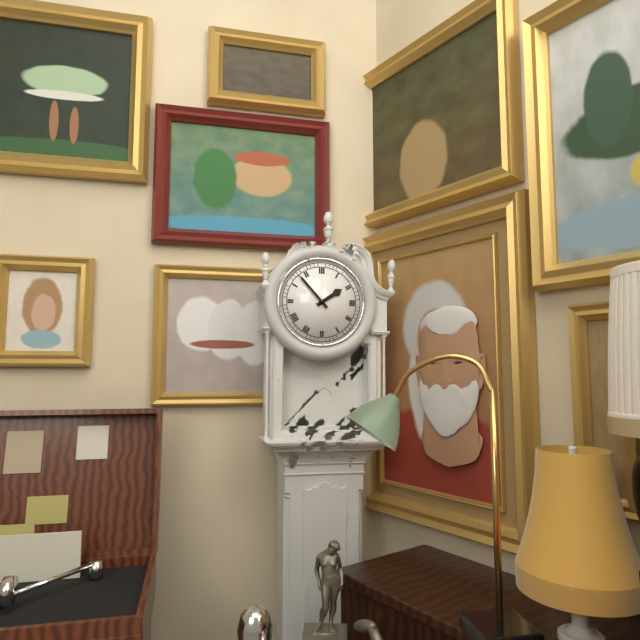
h=1 m=53
